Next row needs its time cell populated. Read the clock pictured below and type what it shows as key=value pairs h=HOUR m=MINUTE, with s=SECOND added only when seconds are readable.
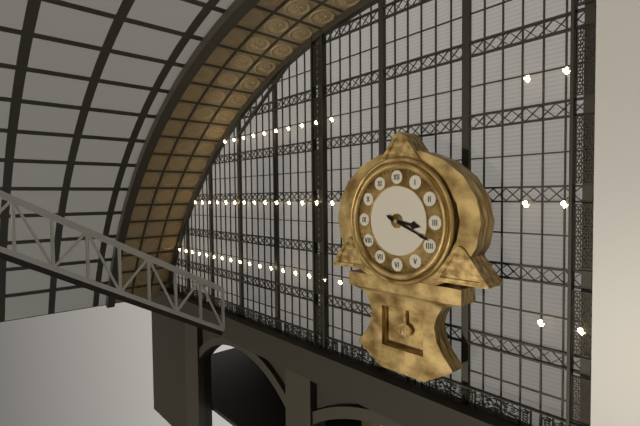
h=3 m=19
